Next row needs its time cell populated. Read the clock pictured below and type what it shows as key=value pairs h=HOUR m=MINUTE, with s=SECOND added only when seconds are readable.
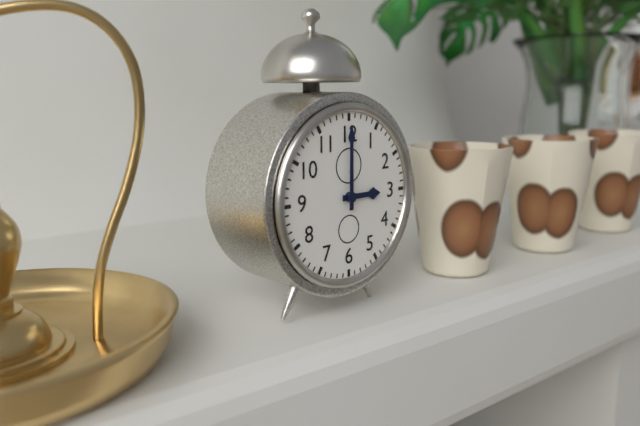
h=3 m=0
